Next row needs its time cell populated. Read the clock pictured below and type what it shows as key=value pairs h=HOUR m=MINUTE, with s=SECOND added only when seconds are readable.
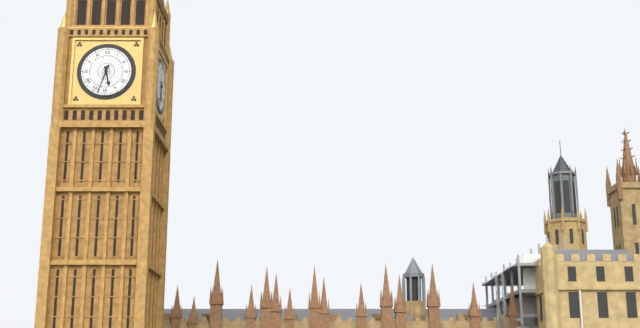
h=5 m=33
